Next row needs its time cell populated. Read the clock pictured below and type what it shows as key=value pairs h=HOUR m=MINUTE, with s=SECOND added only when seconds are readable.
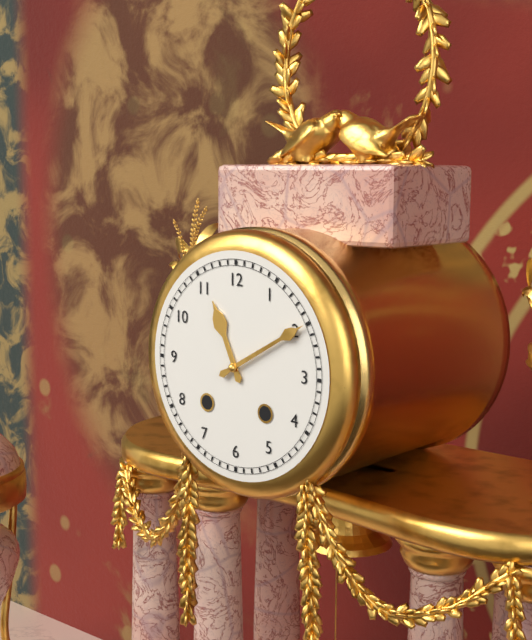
h=11 m=10
